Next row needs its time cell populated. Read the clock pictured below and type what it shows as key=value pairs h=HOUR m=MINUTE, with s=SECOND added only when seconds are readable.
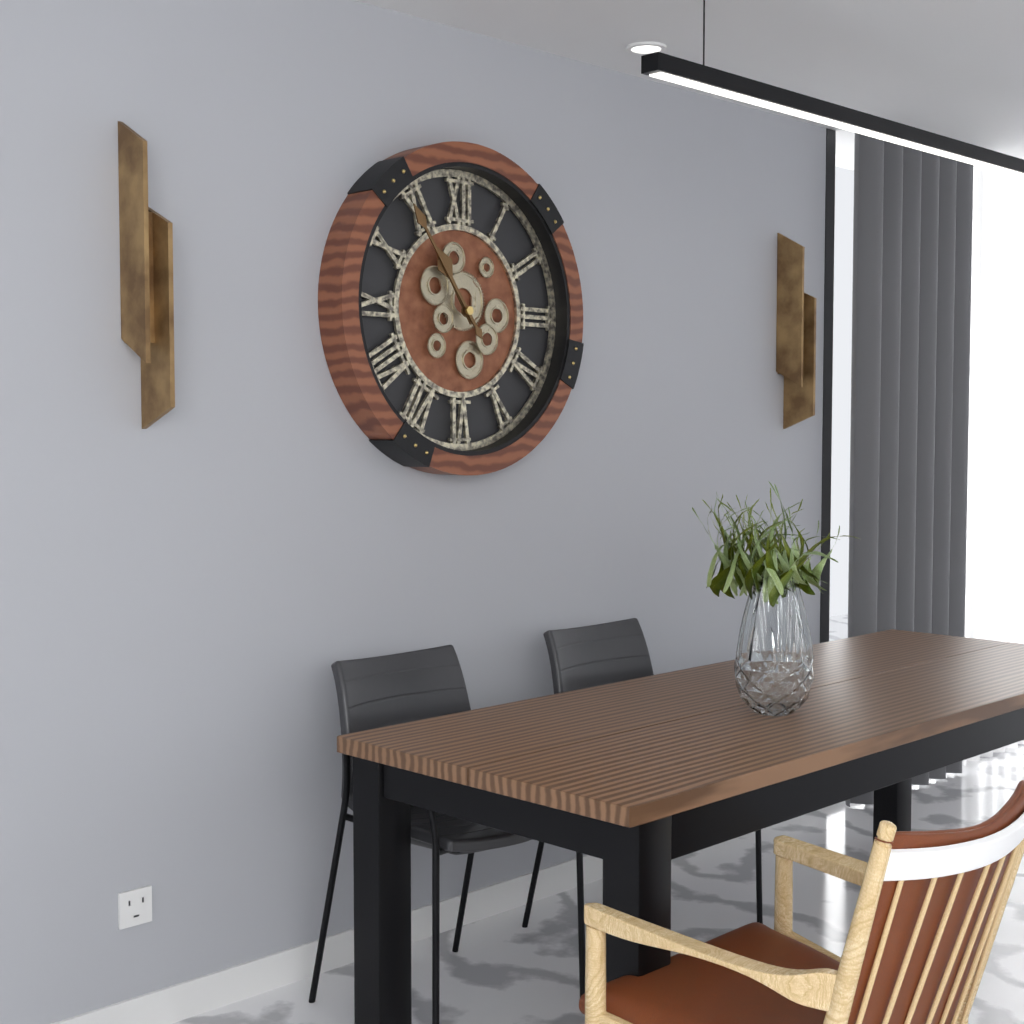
h=10 m=54
